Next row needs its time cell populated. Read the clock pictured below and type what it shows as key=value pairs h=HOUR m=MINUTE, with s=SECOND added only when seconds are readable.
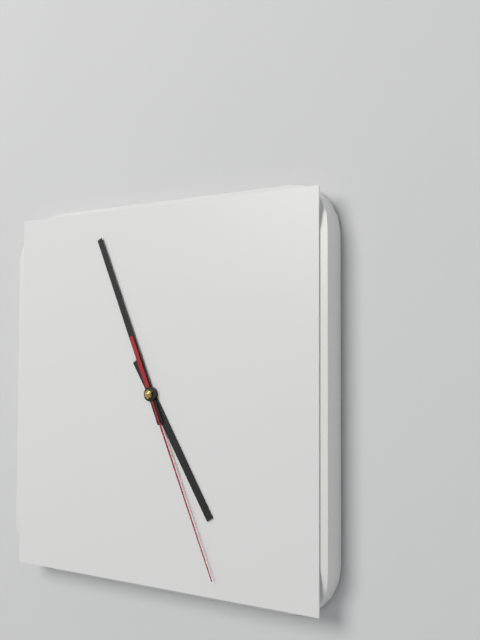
h=4 m=56 s=26
